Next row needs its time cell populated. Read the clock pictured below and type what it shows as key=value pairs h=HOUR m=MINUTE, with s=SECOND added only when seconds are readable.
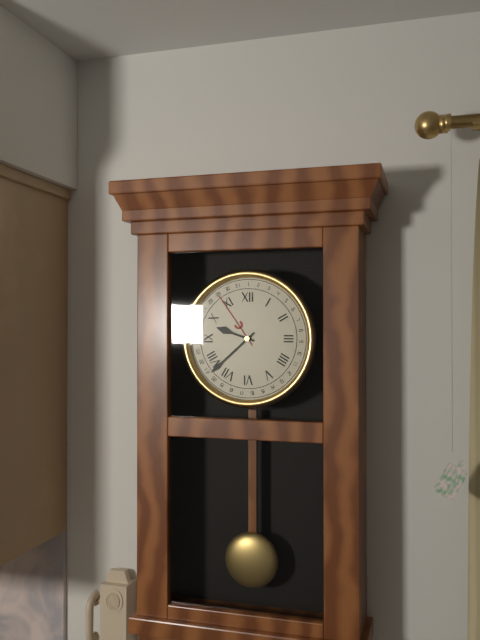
h=9 m=38
